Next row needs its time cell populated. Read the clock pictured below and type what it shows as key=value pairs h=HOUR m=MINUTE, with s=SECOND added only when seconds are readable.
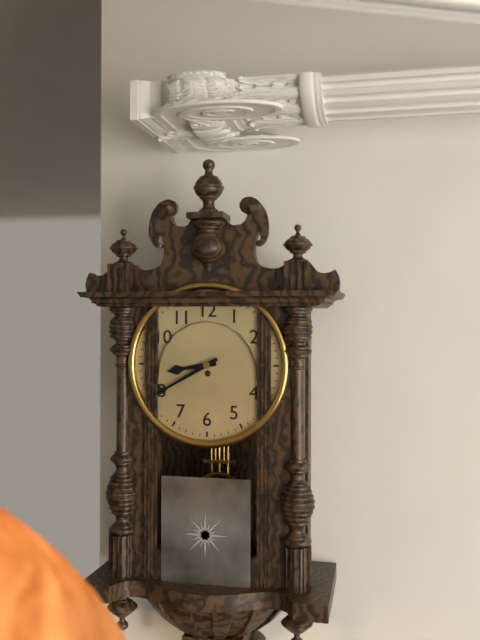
h=8 m=40
